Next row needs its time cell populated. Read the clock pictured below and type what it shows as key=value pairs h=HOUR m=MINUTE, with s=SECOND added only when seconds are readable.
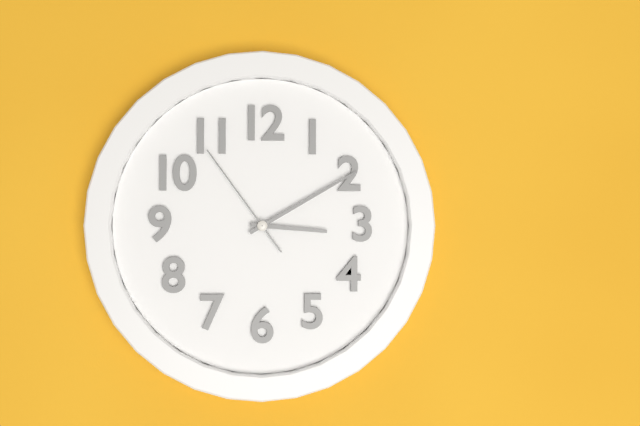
h=3 m=10 s=54
